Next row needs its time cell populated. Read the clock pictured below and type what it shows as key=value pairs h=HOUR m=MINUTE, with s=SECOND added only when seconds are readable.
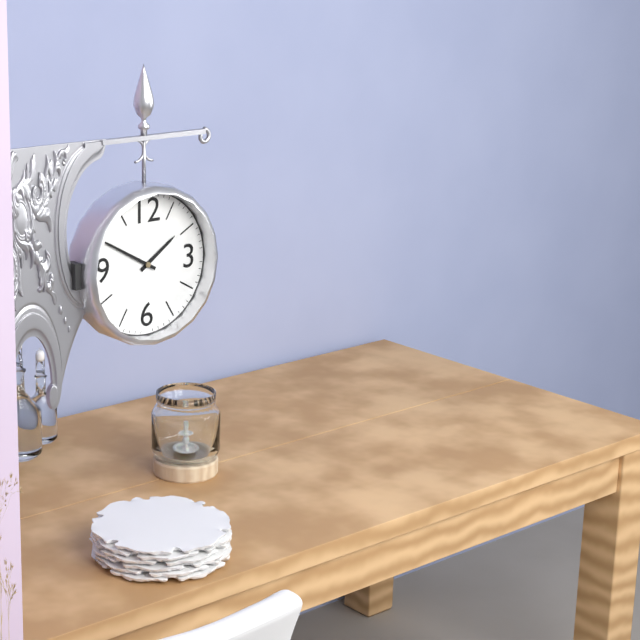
h=1 m=50
